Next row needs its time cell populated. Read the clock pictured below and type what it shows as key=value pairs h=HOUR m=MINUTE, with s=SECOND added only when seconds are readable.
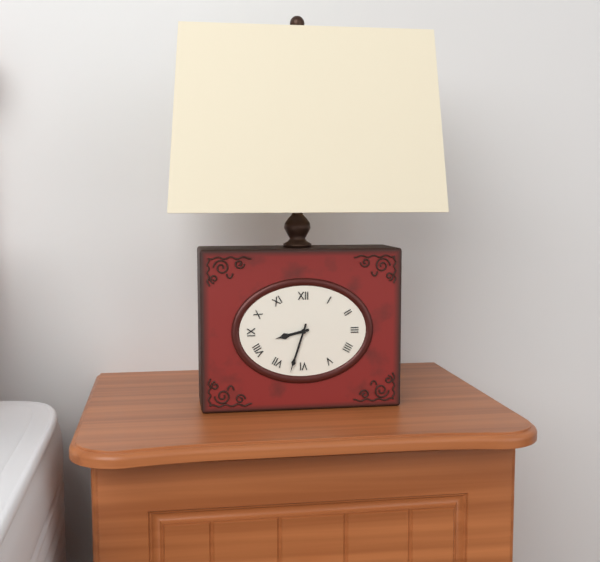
h=8 m=33
